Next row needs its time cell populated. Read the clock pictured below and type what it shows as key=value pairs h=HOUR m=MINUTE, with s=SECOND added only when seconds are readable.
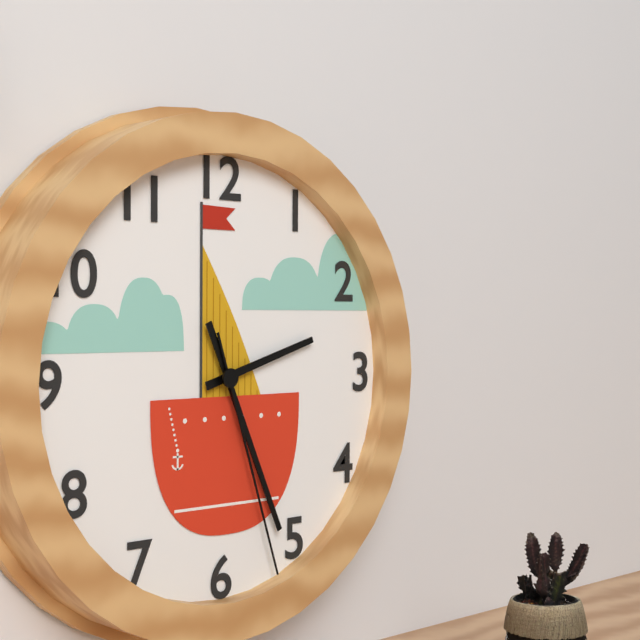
h=2 m=26 s=27
